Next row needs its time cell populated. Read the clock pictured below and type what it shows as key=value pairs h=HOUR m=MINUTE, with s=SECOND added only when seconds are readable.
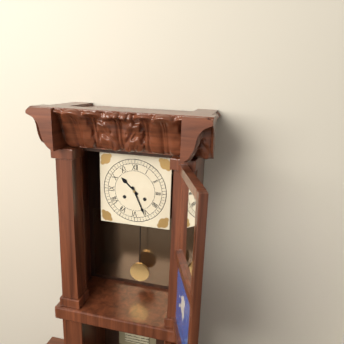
h=10 m=26
